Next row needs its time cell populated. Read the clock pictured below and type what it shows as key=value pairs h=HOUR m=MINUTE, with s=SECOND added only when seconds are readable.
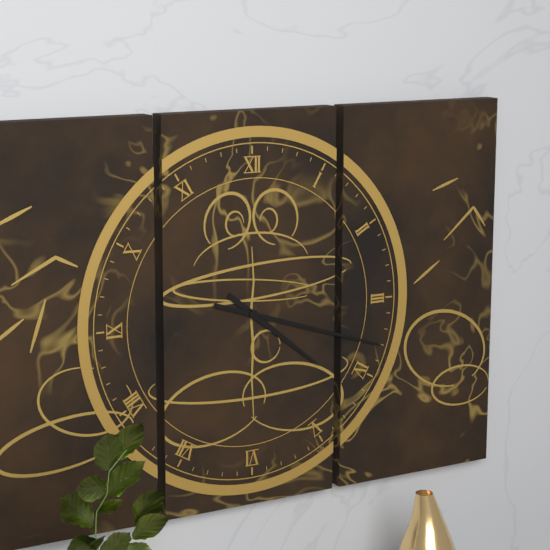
h=4 m=18
